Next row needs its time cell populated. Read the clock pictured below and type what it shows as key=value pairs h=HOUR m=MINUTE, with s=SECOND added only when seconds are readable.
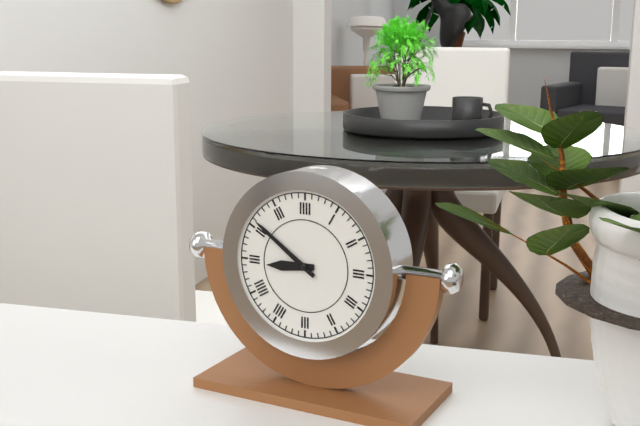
h=8 m=51
